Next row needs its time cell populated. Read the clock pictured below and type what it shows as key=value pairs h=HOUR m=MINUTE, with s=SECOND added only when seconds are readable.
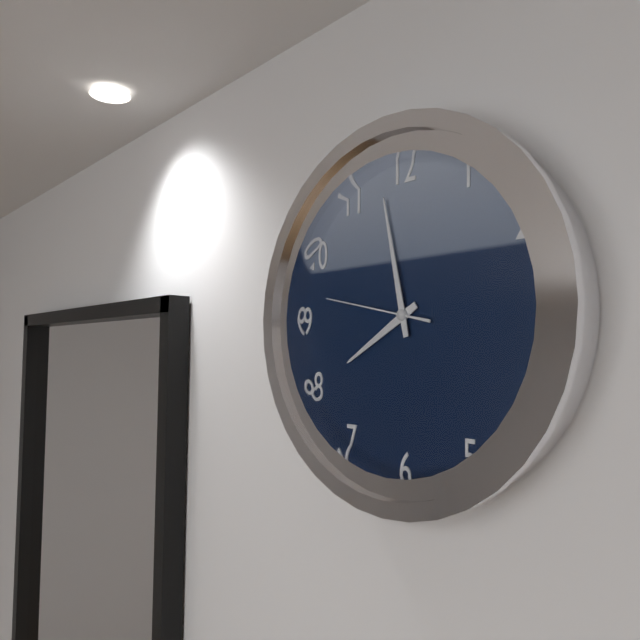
h=7 m=58 s=47
